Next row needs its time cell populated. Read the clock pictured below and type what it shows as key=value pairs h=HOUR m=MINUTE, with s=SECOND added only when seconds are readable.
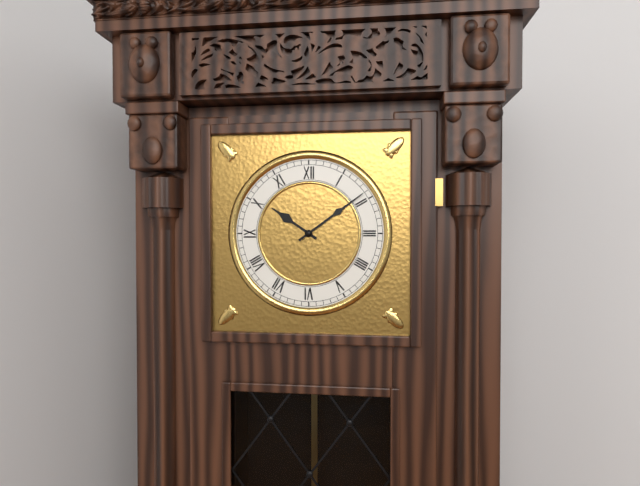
h=10 m=9
